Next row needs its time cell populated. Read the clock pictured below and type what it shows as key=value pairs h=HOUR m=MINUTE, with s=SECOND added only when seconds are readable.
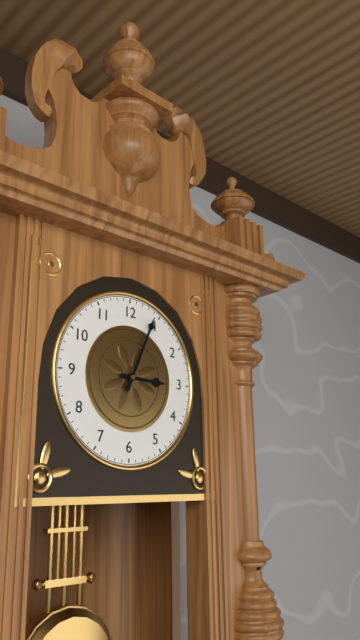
h=3 m=4
